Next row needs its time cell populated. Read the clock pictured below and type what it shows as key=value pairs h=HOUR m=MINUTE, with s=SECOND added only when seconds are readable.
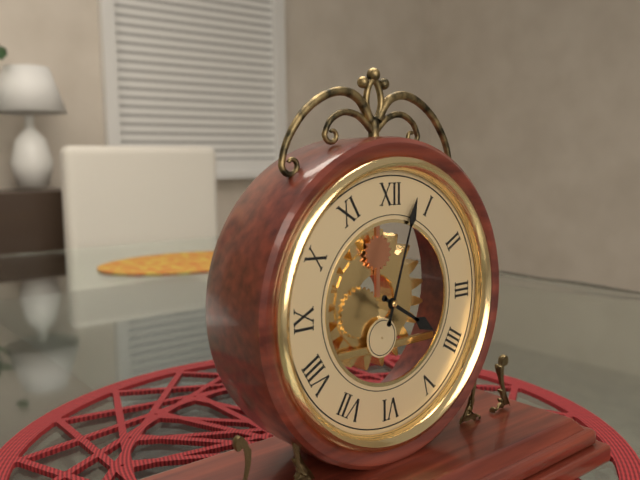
h=4 m=3
